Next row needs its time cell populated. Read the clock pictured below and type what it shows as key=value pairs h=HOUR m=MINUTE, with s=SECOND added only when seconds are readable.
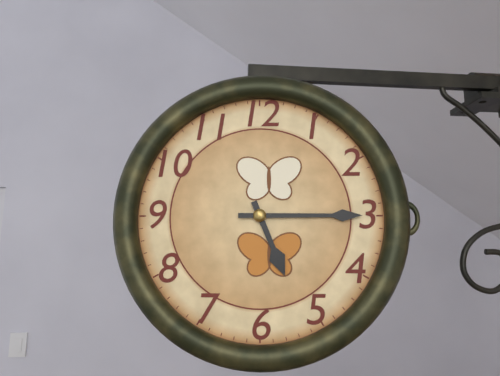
h=5 m=15
